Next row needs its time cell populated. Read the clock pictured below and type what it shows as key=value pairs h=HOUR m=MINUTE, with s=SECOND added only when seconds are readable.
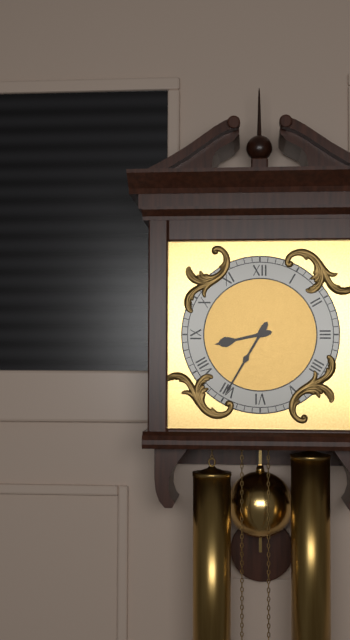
h=8 m=35
